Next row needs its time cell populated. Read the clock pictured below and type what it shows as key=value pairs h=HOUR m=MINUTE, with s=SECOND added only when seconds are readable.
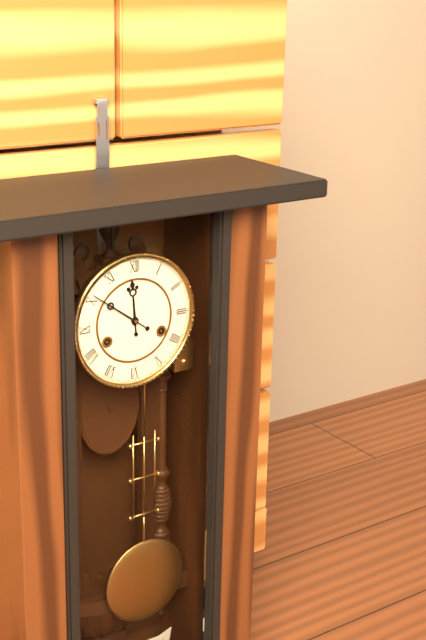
h=11 m=51
